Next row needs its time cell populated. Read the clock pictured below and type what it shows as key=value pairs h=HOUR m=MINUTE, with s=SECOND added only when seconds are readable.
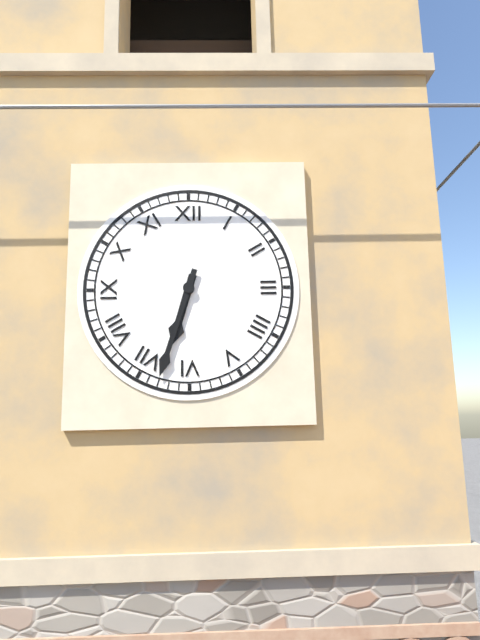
h=6 m=33
